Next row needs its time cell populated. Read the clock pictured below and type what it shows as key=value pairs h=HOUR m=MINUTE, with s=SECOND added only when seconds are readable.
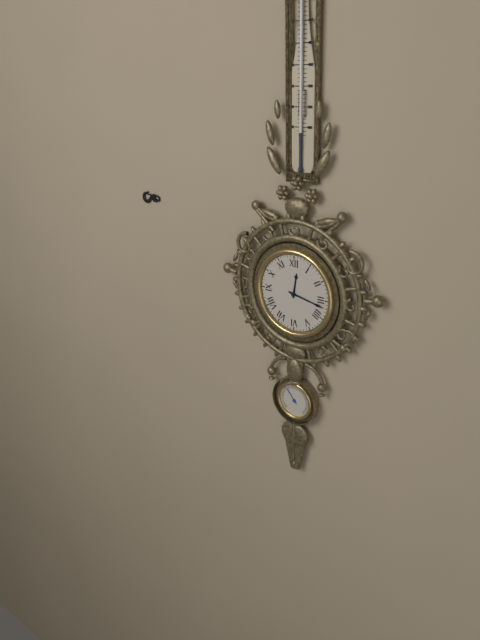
h=12 m=17
